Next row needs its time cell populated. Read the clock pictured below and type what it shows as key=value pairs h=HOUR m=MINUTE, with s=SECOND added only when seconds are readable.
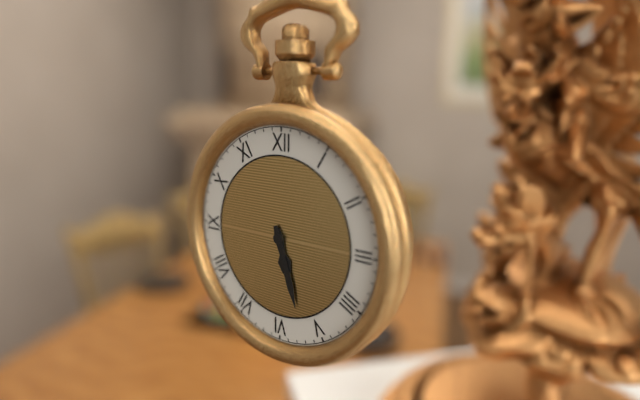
h=5 m=27
